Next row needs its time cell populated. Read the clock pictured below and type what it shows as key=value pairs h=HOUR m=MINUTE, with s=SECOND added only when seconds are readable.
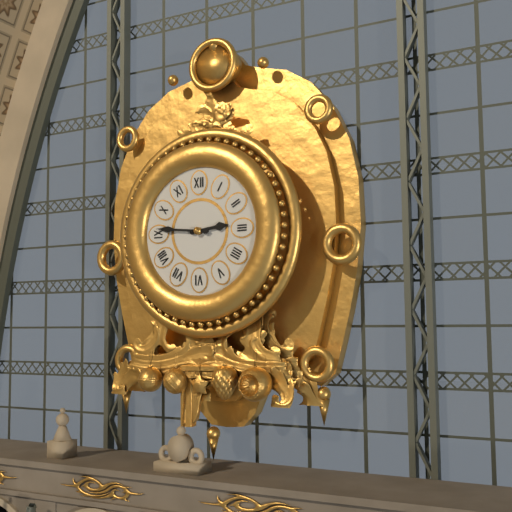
h=2 m=46
